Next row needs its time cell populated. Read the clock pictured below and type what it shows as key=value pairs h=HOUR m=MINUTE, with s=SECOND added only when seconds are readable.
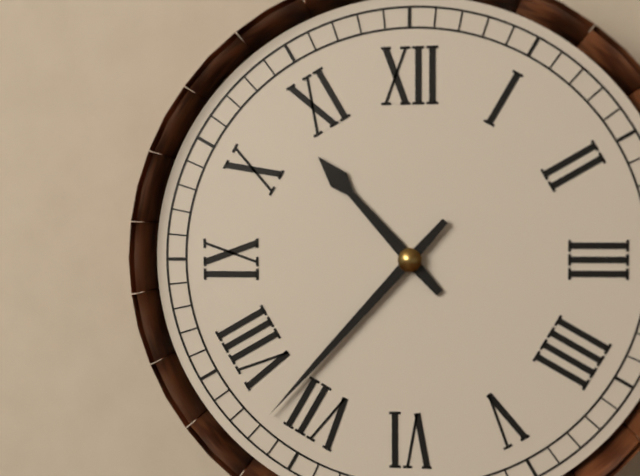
h=10 m=37
